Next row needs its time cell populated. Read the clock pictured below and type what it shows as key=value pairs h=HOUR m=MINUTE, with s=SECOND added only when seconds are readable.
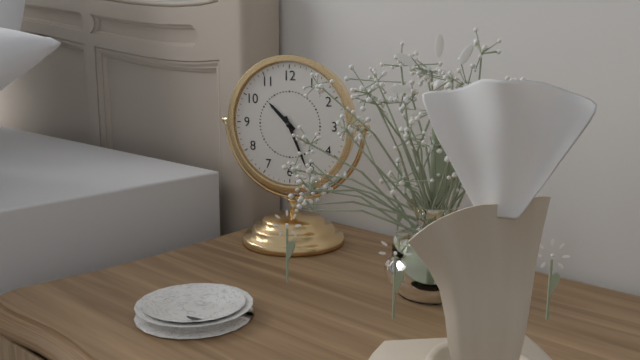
h=10 m=26
